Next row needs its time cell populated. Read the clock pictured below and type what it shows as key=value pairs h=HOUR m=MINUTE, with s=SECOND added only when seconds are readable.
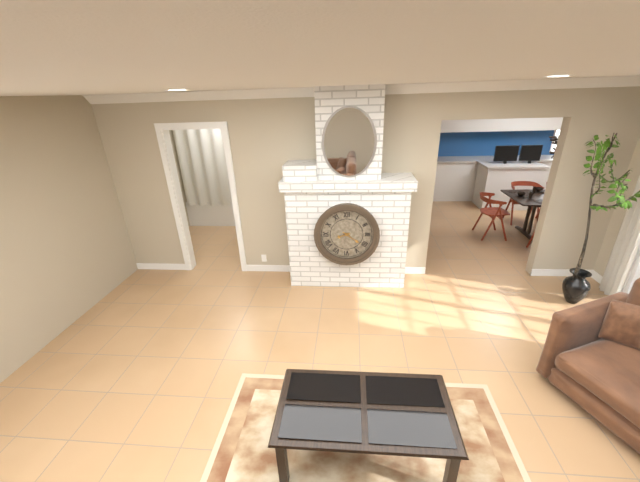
h=8 m=21
